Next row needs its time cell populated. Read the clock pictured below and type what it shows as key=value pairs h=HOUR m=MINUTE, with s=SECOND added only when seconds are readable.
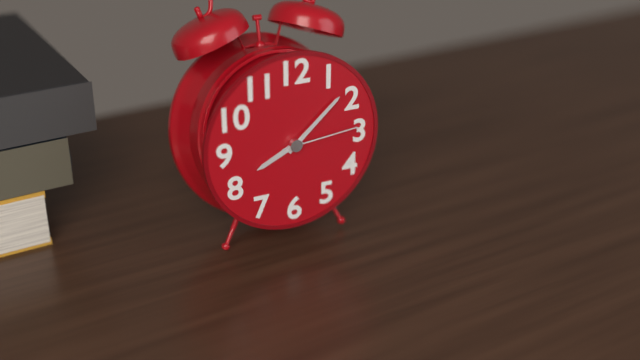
h=8 m=8 s=14
